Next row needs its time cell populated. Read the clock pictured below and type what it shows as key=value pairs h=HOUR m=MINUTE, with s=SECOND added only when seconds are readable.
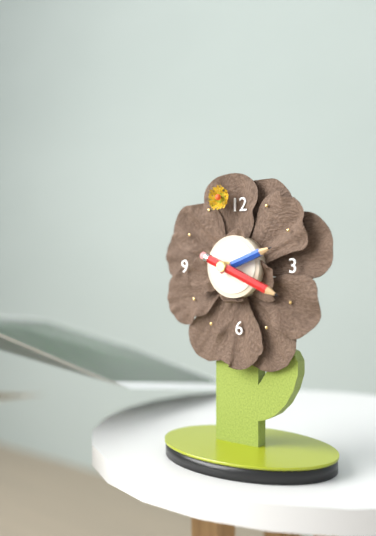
h=2 m=19
